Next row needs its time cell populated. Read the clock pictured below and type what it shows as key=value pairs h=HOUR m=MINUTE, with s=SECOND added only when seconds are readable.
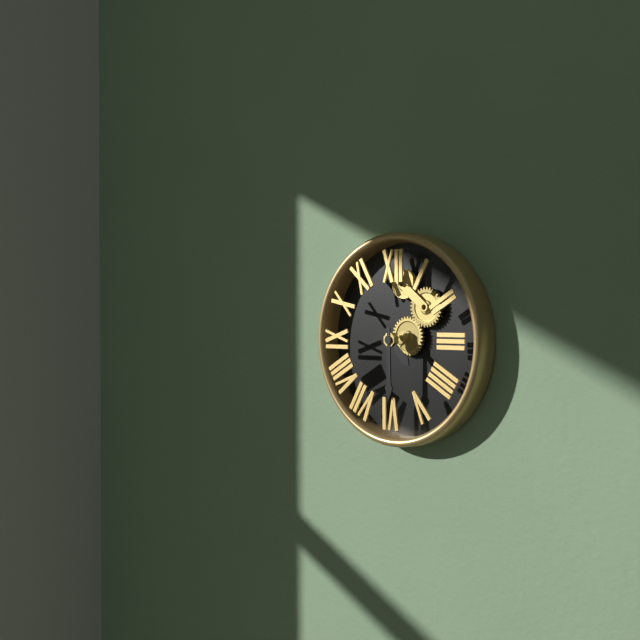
h=4 m=30
